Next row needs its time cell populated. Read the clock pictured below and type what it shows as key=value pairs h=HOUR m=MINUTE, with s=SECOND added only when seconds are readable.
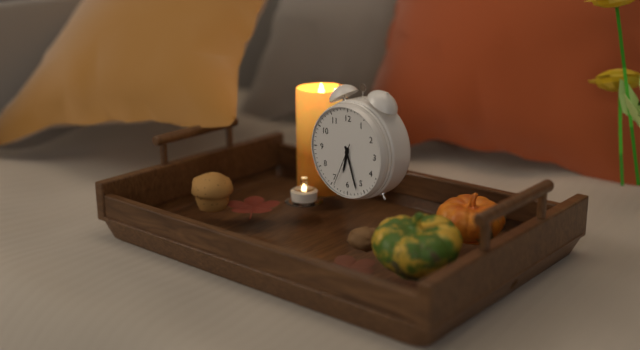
h=6 m=27
